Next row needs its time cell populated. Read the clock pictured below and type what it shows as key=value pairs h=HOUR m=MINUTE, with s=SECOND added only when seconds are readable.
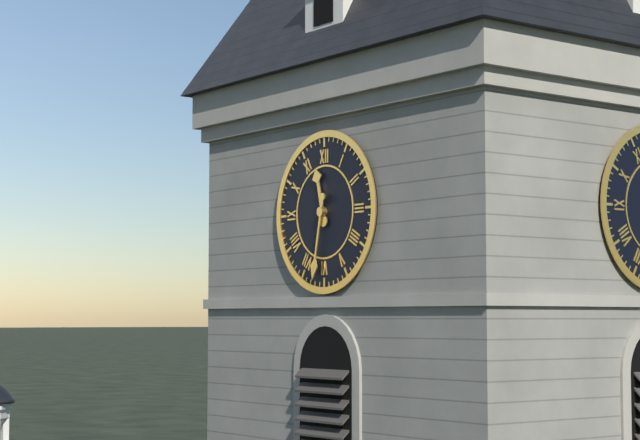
h=11 m=32
